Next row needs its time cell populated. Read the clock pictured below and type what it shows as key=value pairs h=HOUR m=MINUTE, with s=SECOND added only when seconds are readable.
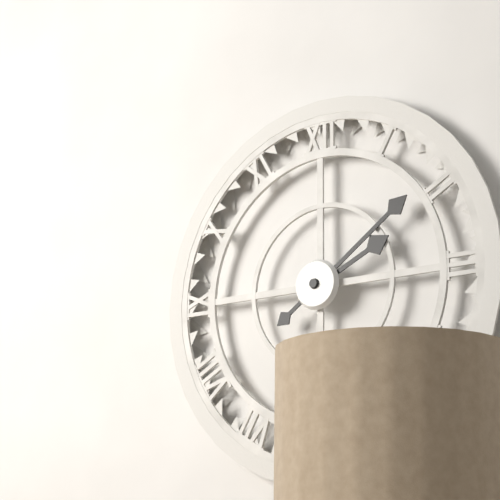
h=2 m=9
